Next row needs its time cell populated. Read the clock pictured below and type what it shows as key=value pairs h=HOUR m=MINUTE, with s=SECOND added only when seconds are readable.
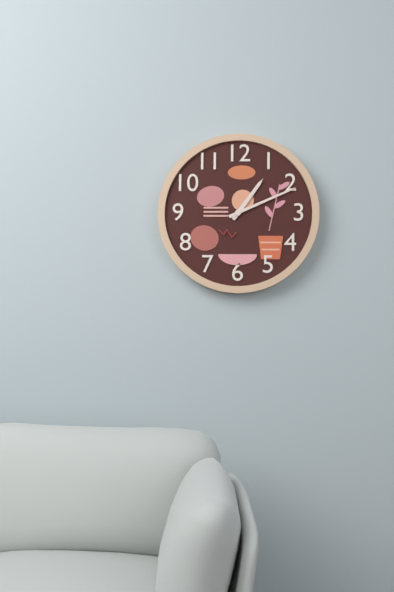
h=1 m=11
